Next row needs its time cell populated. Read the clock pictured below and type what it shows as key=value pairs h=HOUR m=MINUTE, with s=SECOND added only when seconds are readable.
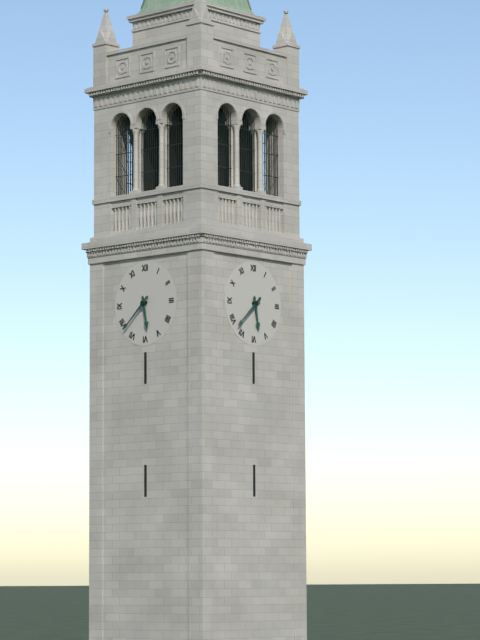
h=5 m=38
